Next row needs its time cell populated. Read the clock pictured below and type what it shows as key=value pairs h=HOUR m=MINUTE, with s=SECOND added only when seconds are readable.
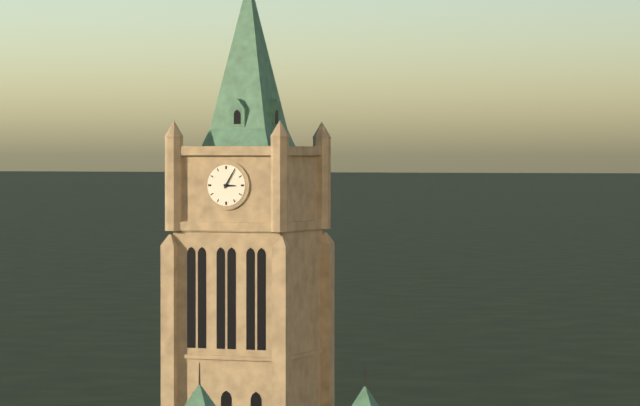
h=3 m=5
